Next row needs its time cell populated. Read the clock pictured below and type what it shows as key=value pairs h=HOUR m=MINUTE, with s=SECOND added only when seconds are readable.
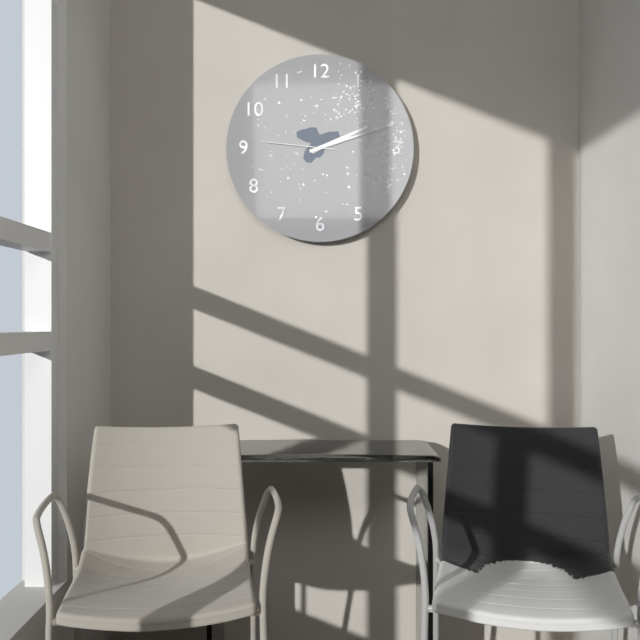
h=2 m=12 s=46
